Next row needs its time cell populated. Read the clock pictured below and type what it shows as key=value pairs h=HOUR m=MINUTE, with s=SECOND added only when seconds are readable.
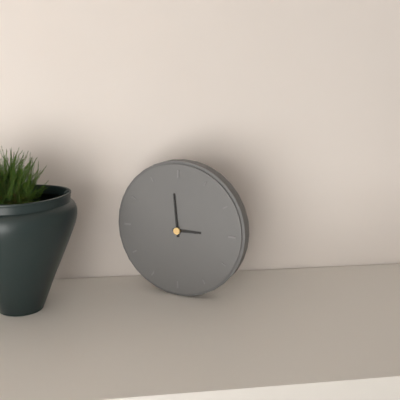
h=2 m=59
